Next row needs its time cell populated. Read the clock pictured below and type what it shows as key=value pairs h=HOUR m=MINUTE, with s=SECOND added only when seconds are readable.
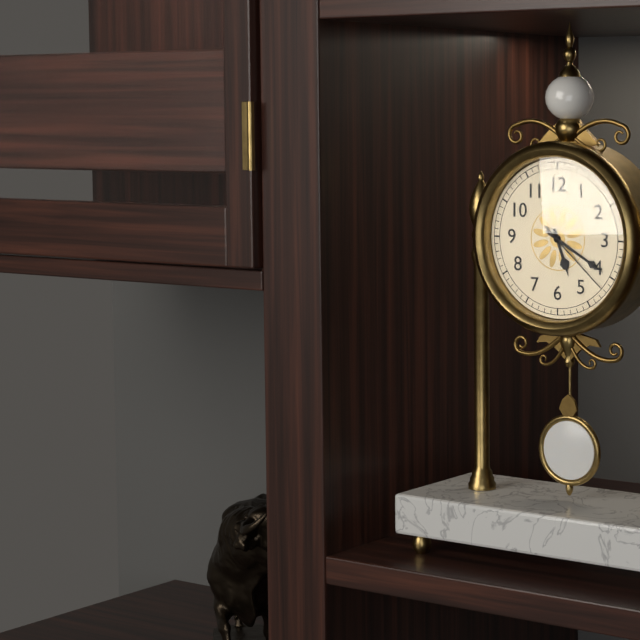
h=5 m=20 s=22
